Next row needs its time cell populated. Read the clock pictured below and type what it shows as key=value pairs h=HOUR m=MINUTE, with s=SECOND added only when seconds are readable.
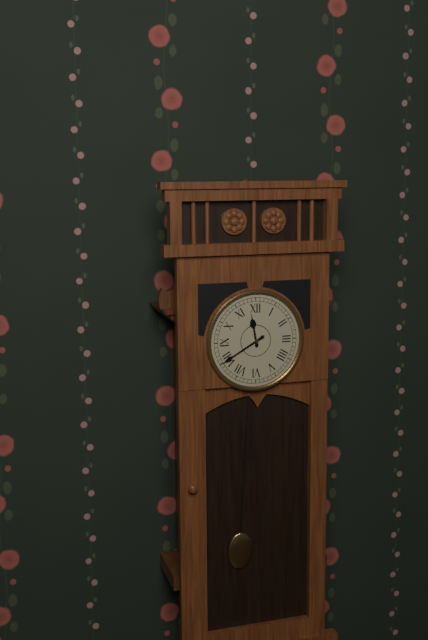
h=11 m=40
